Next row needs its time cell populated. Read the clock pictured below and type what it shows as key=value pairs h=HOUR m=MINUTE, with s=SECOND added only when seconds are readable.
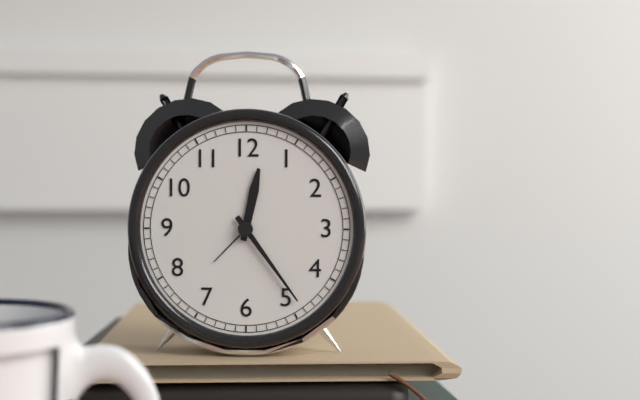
h=12 m=24
